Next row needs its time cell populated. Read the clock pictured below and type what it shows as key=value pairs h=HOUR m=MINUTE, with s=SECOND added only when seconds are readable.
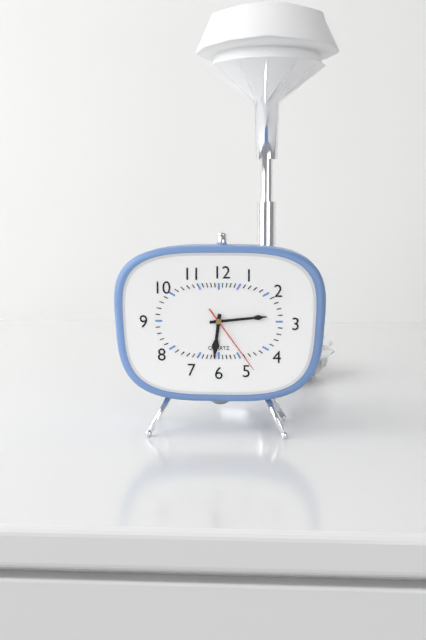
h=6 m=14 s=24
